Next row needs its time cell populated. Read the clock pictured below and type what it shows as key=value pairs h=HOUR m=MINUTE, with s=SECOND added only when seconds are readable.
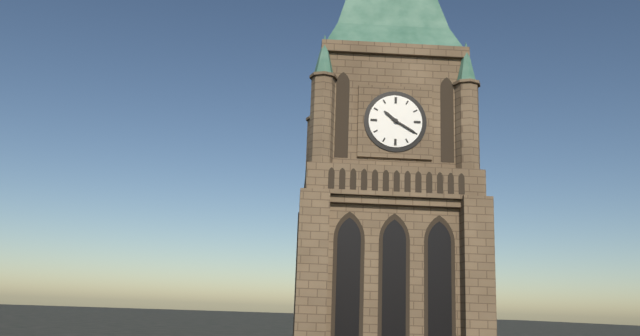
h=10 m=20
